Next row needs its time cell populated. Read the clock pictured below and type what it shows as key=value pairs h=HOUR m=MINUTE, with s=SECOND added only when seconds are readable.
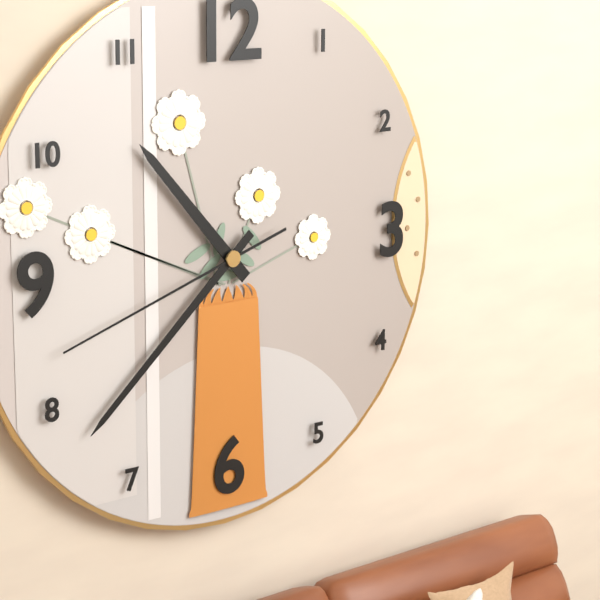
h=10 m=38 s=42
